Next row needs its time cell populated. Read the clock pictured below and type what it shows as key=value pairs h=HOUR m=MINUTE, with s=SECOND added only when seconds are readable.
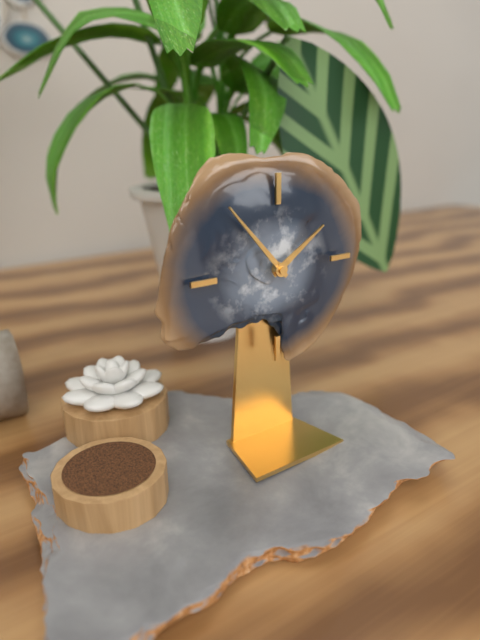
h=1 m=53
